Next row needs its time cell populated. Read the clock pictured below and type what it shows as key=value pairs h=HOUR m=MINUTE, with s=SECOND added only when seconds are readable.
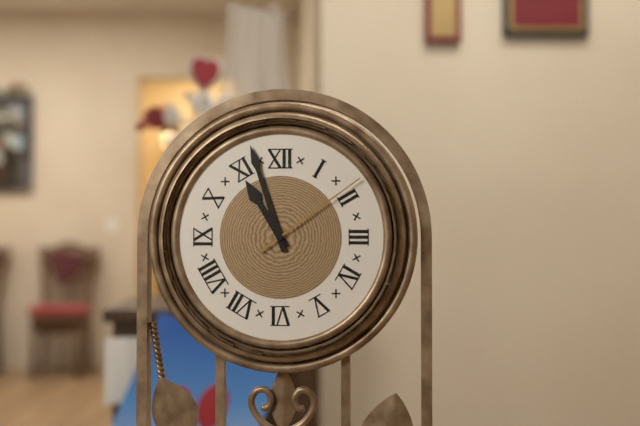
h=10 m=57 s=9
